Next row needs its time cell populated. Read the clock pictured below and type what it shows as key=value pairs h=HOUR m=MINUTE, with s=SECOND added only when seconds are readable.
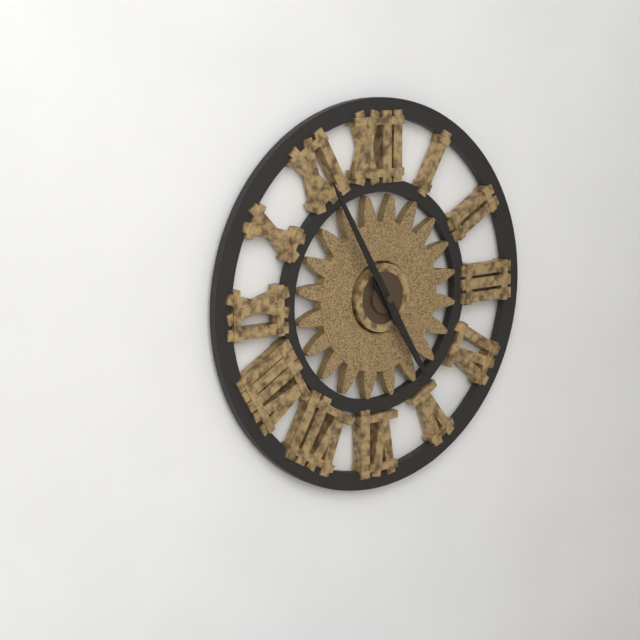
h=4 m=55
